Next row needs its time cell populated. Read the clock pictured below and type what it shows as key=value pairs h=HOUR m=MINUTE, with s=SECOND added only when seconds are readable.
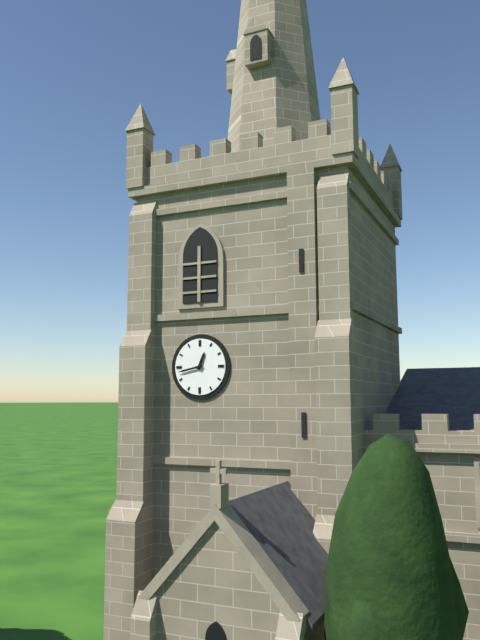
h=12 m=43
